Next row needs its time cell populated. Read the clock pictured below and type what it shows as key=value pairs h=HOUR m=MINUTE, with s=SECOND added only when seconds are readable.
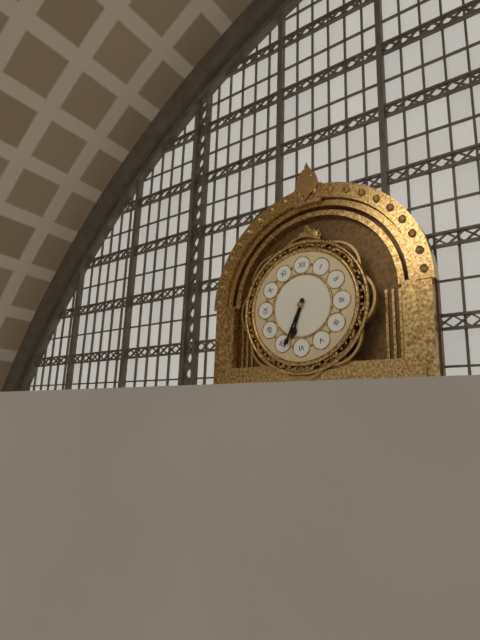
h=6 m=34
